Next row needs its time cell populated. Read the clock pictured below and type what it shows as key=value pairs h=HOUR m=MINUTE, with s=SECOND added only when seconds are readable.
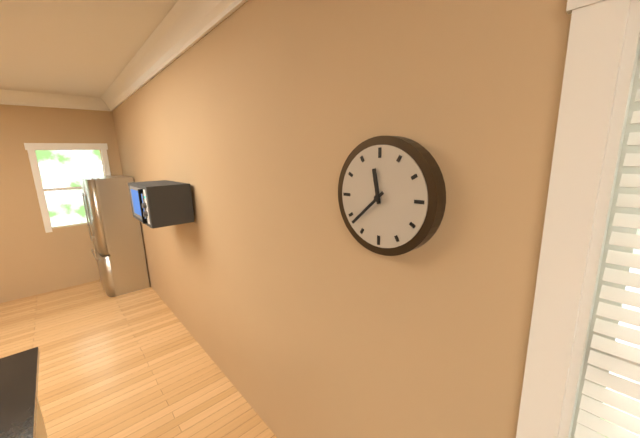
h=11 m=38
